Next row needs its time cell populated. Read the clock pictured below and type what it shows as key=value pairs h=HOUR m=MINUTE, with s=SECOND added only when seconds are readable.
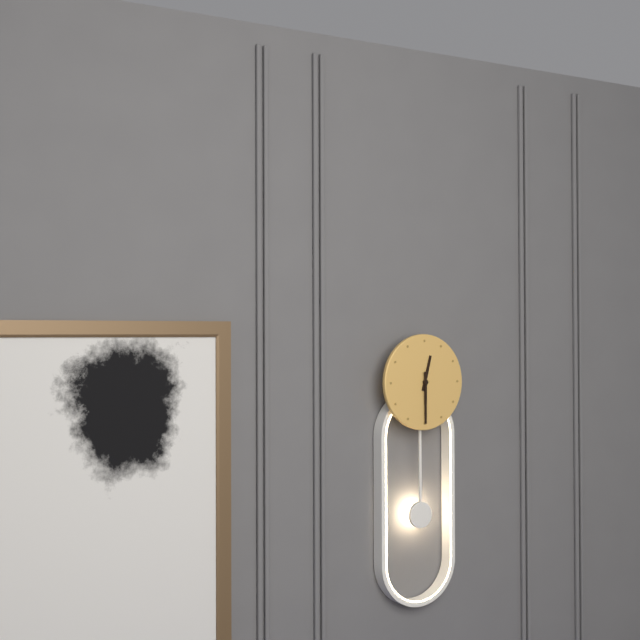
h=12 m=30
